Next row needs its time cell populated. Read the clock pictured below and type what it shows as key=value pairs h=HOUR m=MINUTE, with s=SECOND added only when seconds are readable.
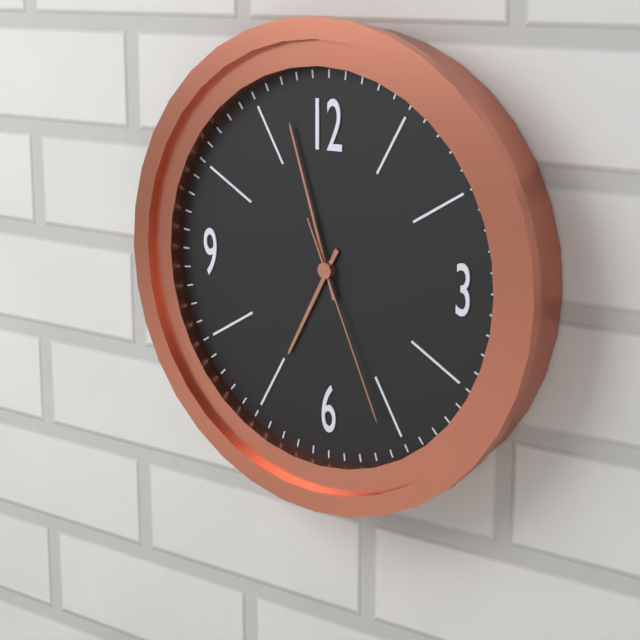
h=6 m=57 s=26
